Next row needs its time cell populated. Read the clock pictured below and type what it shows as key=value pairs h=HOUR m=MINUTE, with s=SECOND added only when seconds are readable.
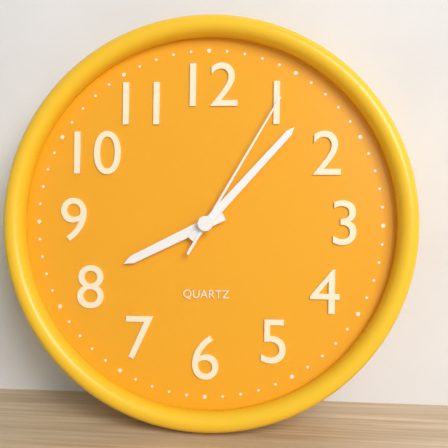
h=8 m=7 s=5
